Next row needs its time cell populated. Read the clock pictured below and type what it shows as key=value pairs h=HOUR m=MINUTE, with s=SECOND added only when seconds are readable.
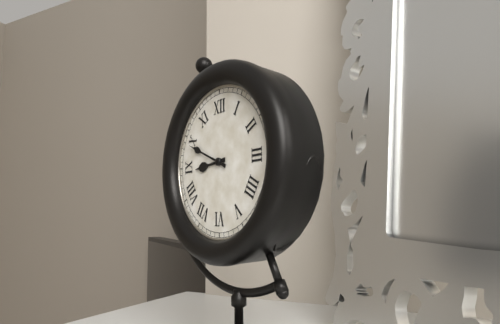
h=8 m=49
